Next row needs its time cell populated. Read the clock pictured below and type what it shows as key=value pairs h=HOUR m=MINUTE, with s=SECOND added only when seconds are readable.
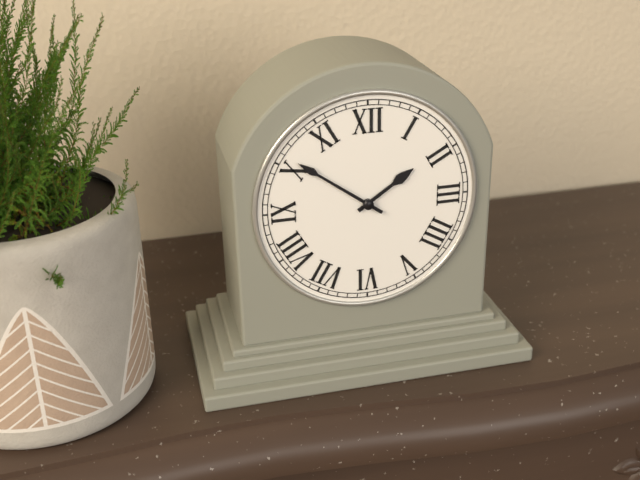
h=1 m=51
